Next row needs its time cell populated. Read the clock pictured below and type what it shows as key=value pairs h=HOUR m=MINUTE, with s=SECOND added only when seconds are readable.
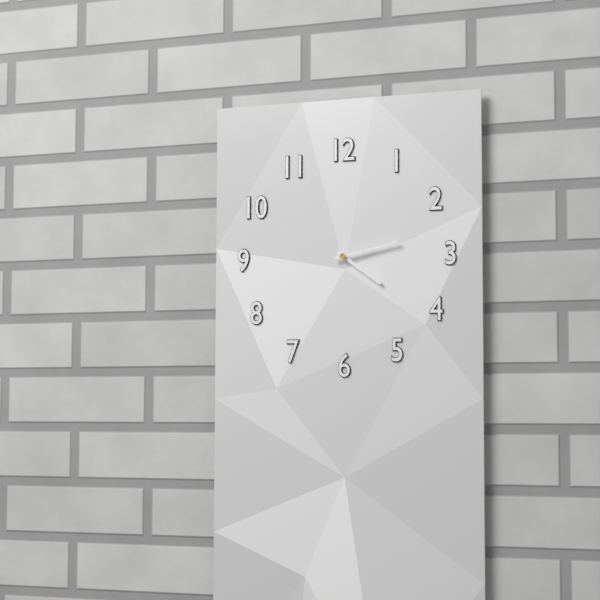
h=4 m=13
